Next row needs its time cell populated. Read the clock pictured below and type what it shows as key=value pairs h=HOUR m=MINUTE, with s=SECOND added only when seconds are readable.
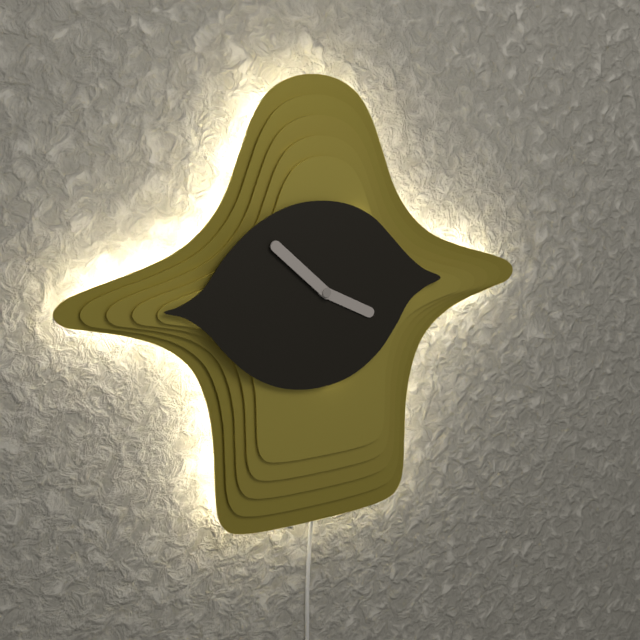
h=3 m=52
